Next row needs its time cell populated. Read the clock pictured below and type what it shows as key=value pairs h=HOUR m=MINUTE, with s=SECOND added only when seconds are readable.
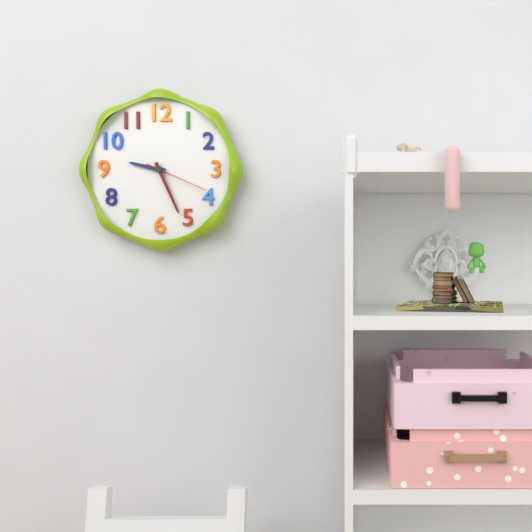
h=9 m=26 s=19
